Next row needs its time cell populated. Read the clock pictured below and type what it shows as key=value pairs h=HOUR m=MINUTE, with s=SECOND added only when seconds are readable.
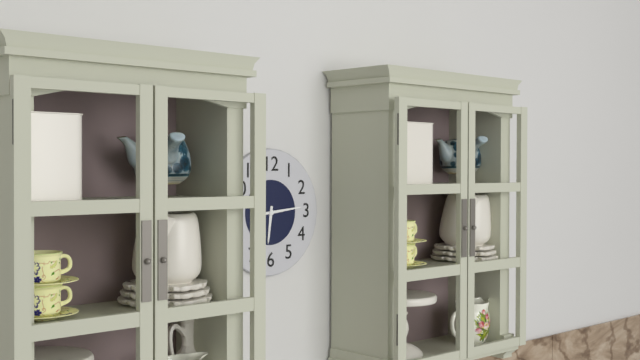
h=6 m=14
